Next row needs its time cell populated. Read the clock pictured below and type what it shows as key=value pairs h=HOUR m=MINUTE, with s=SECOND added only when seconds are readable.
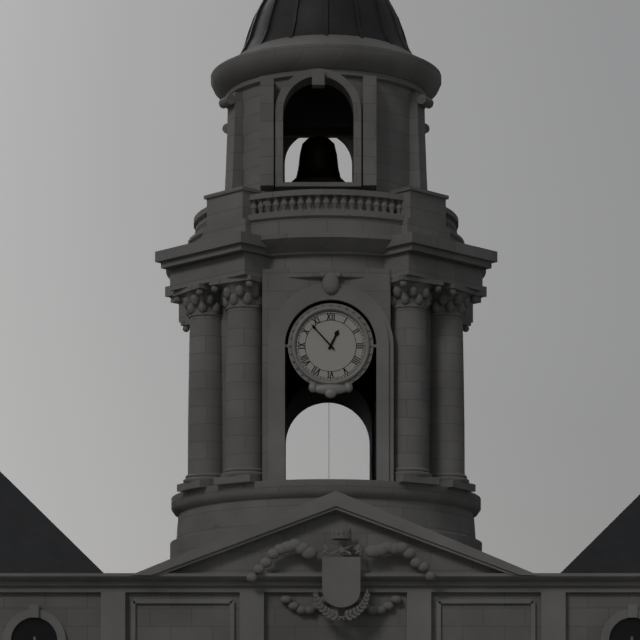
h=12 m=53
